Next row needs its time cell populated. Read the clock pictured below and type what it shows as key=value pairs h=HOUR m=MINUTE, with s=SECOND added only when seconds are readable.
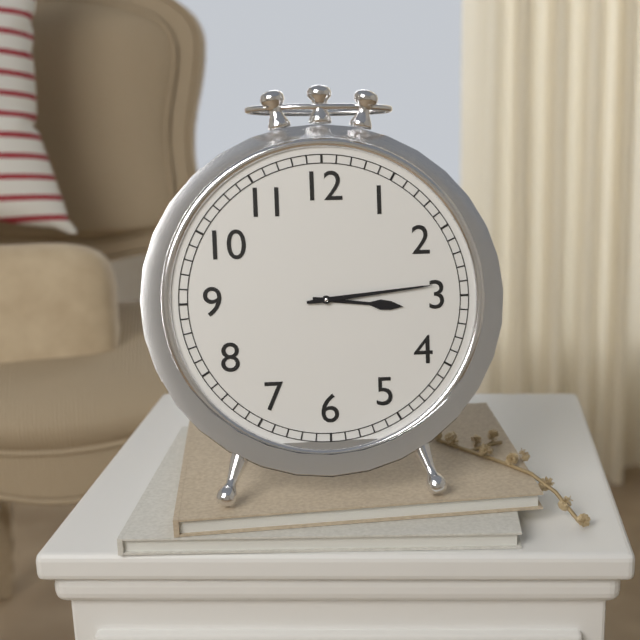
h=3 m=14
